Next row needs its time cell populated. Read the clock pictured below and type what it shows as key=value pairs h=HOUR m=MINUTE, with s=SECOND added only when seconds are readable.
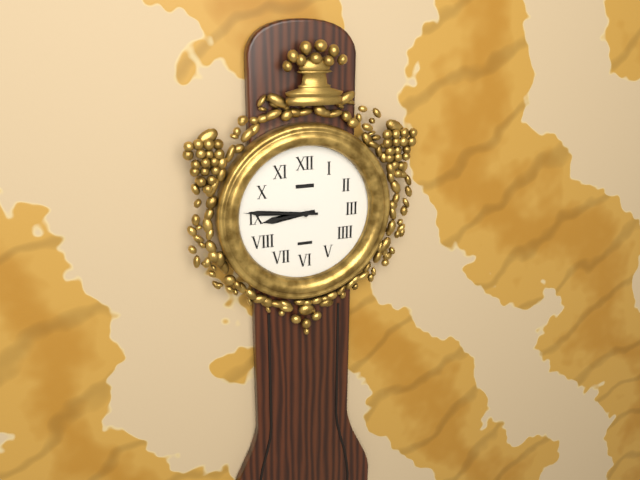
h=8 m=46
